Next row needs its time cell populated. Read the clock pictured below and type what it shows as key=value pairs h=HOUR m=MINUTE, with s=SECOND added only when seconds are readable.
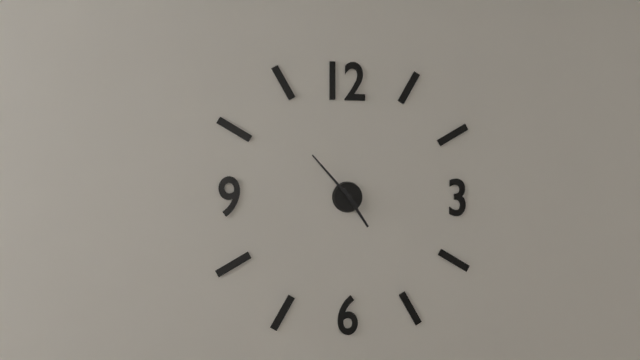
h=4 m=53
